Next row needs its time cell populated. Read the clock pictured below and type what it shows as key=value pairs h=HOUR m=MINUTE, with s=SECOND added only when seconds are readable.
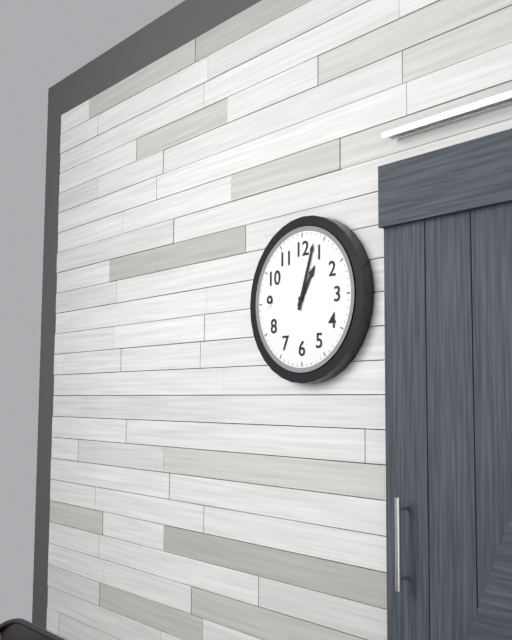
h=1 m=3
